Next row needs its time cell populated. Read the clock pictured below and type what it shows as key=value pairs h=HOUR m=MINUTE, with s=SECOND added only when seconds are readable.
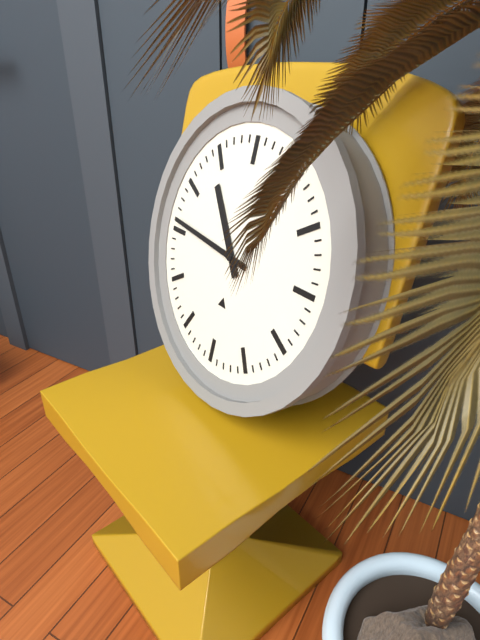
h=10 m=46
